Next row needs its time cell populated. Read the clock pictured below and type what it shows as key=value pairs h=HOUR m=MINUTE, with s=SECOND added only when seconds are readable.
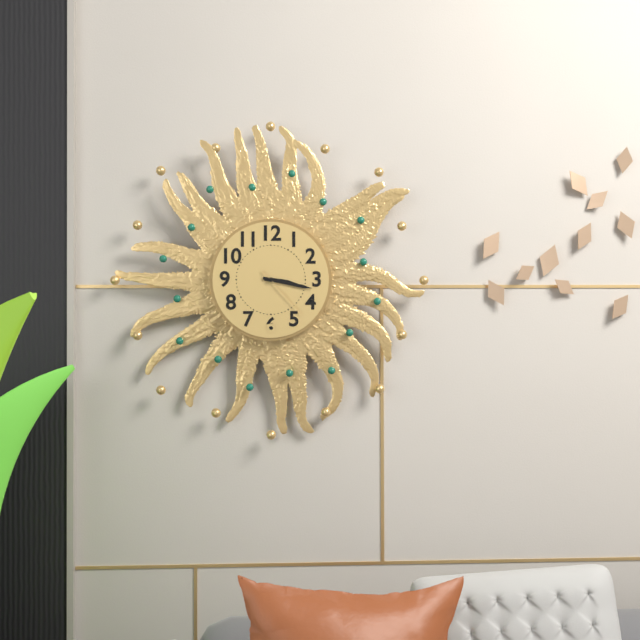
h=3 m=17 s=23
